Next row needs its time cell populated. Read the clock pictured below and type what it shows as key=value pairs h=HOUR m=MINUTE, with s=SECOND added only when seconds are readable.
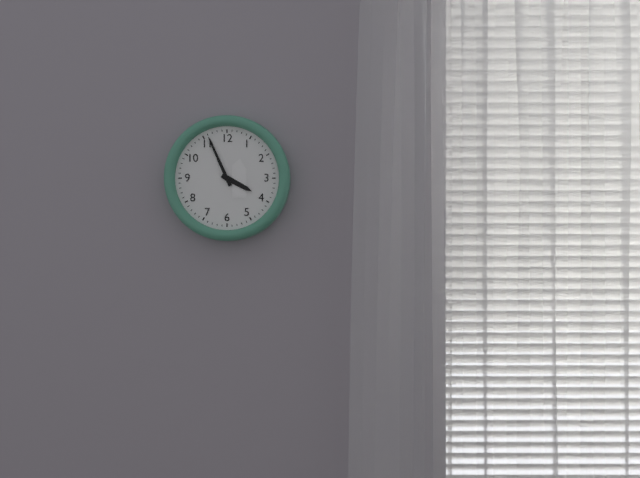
h=3 m=56
